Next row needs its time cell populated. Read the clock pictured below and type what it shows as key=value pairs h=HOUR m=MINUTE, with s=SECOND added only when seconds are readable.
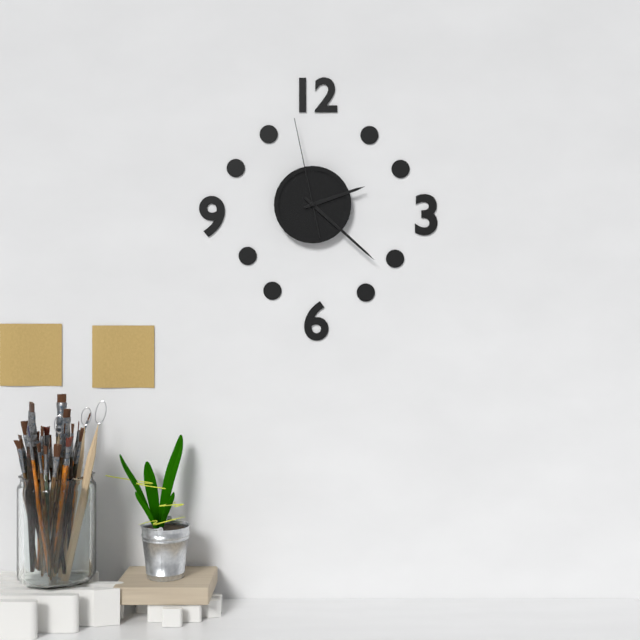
h=2 m=22 s=58
